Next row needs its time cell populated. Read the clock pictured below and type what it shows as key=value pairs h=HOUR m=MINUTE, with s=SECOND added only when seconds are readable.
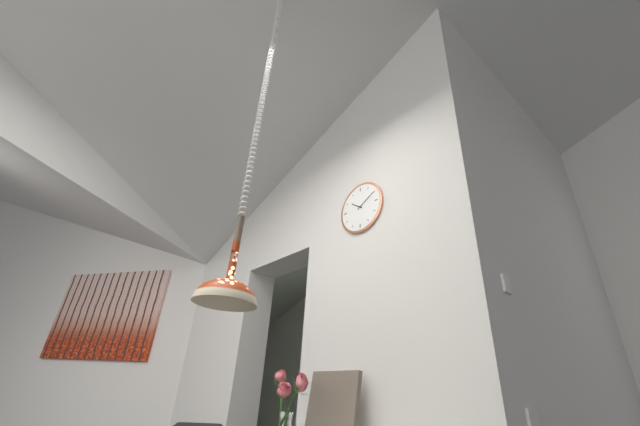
h=10 m=10
